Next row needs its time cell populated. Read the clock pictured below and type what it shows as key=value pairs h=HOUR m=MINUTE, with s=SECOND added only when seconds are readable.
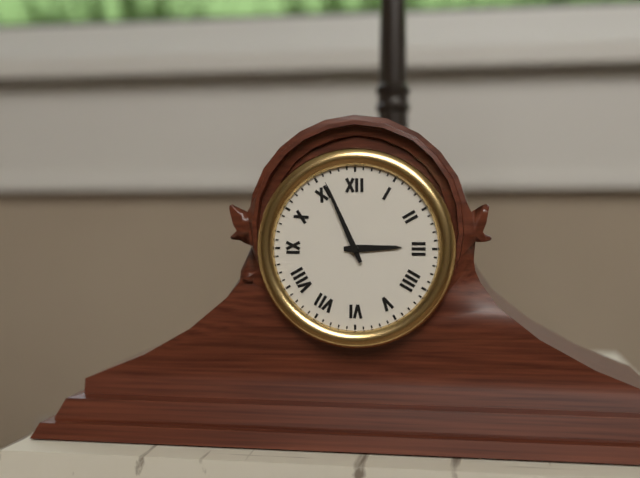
h=2 m=56
